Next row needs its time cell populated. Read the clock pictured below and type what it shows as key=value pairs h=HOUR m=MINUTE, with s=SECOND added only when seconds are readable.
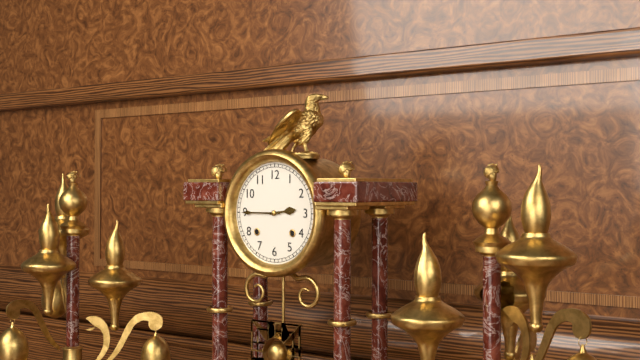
h=2 m=45
